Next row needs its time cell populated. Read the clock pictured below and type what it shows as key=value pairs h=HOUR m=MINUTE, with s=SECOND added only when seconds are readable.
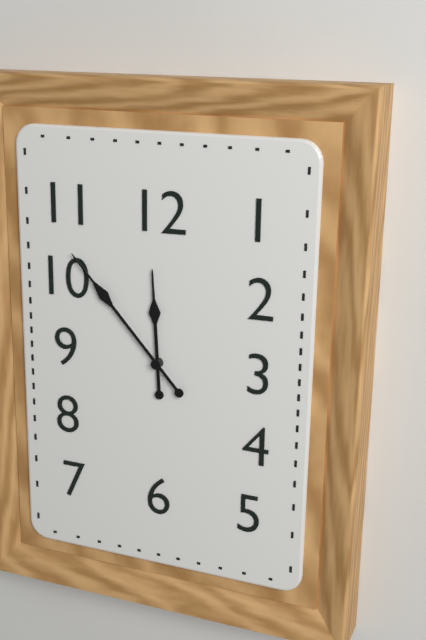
h=11 m=53
